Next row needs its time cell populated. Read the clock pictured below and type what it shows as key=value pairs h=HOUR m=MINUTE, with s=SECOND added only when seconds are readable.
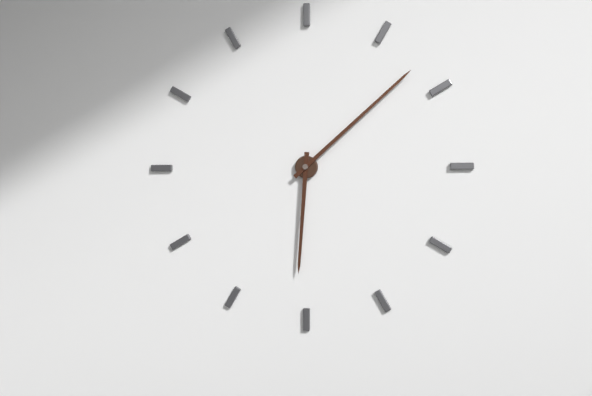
h=6 m=8
